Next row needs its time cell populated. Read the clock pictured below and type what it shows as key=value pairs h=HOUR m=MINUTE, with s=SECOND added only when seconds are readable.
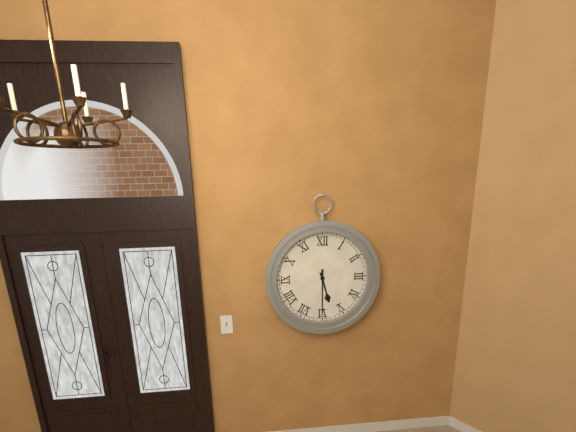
h=5 m=30
